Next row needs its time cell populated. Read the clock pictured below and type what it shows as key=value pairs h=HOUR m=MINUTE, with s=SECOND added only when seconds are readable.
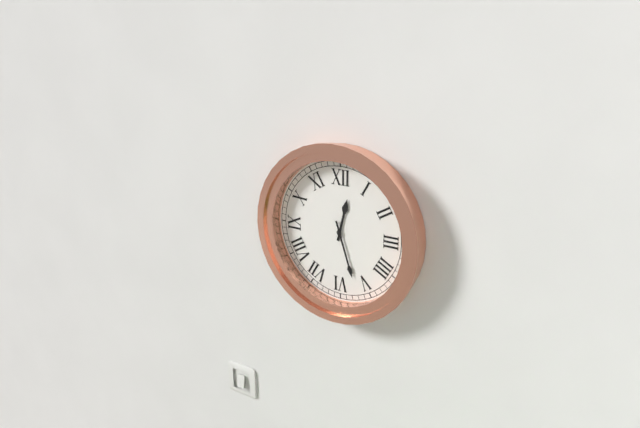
h=12 m=27
